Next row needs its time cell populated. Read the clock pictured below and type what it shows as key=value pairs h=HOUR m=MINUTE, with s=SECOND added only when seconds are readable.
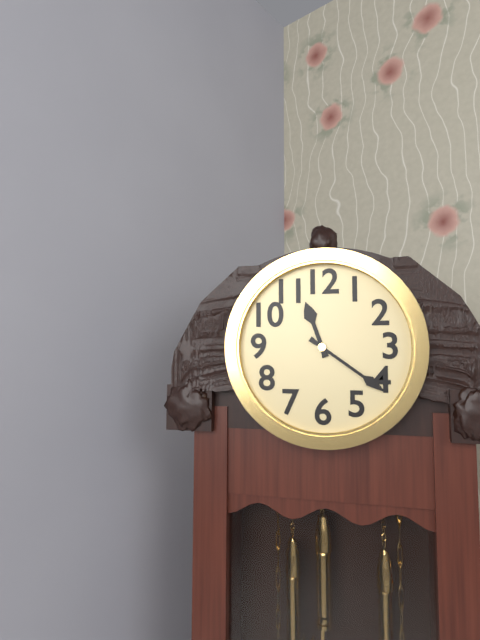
h=11 m=21
